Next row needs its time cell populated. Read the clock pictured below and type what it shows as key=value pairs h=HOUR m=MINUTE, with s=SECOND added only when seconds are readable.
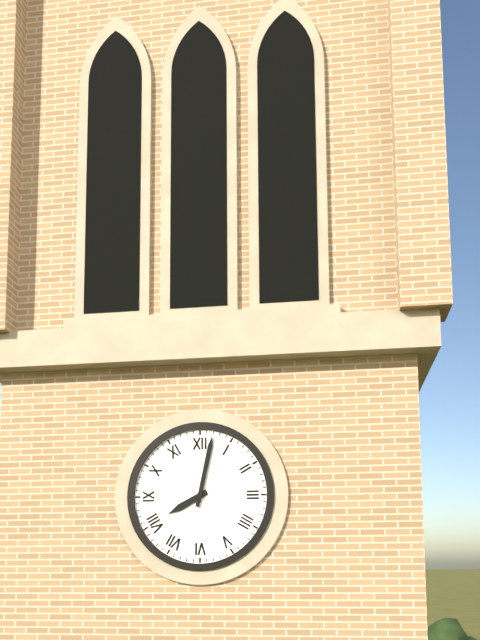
h=8 m=2
